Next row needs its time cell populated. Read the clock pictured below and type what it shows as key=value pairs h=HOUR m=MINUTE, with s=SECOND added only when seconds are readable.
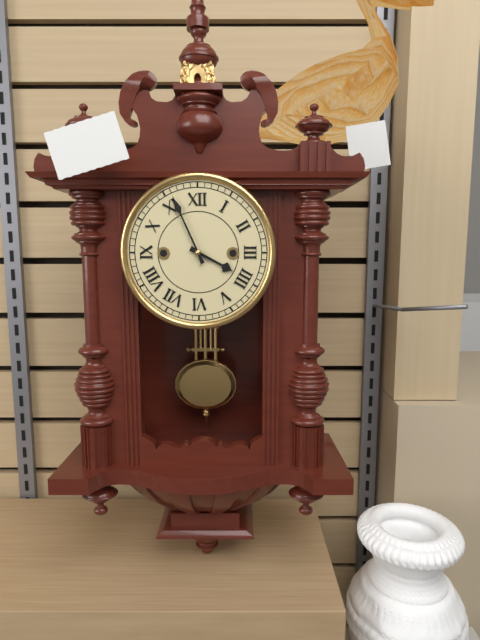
h=3 m=56
